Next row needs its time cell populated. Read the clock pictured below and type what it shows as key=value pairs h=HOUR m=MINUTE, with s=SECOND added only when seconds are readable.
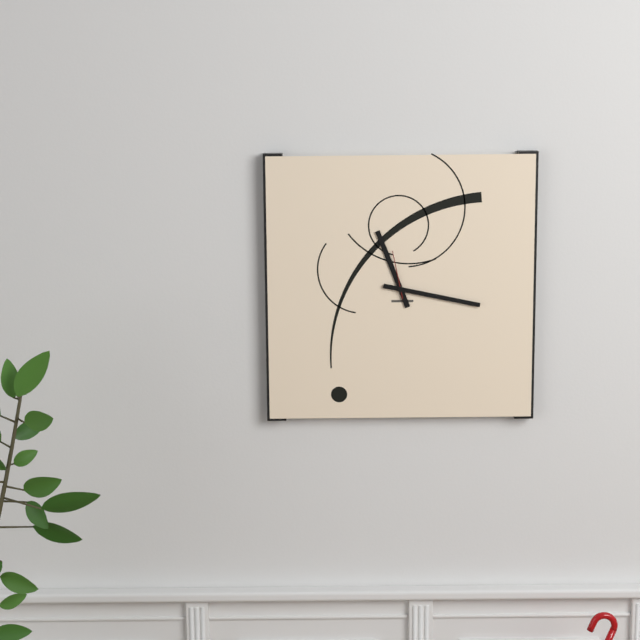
h=11 m=17
